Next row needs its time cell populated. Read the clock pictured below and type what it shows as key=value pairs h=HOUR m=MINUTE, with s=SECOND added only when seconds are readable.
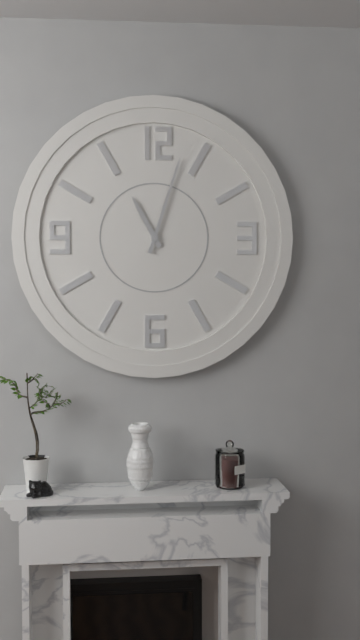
h=11 m=3
